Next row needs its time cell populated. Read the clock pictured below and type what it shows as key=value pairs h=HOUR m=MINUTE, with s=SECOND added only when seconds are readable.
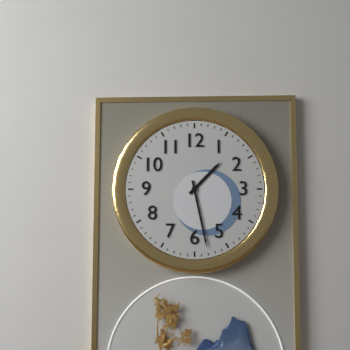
h=1 m=28
